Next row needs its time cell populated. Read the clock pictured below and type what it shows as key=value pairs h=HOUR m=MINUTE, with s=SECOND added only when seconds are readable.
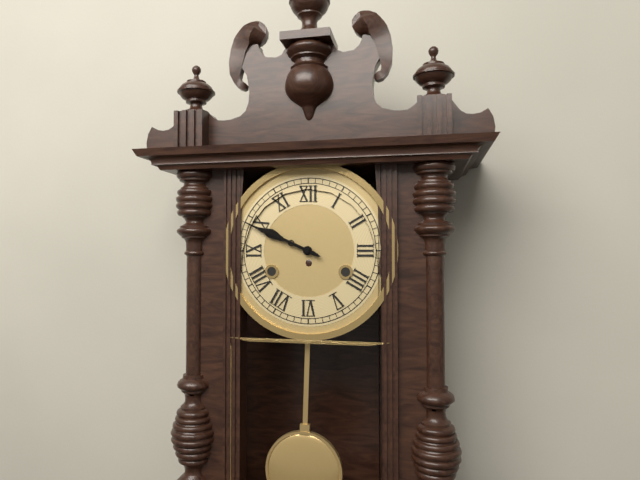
h=9 m=49
